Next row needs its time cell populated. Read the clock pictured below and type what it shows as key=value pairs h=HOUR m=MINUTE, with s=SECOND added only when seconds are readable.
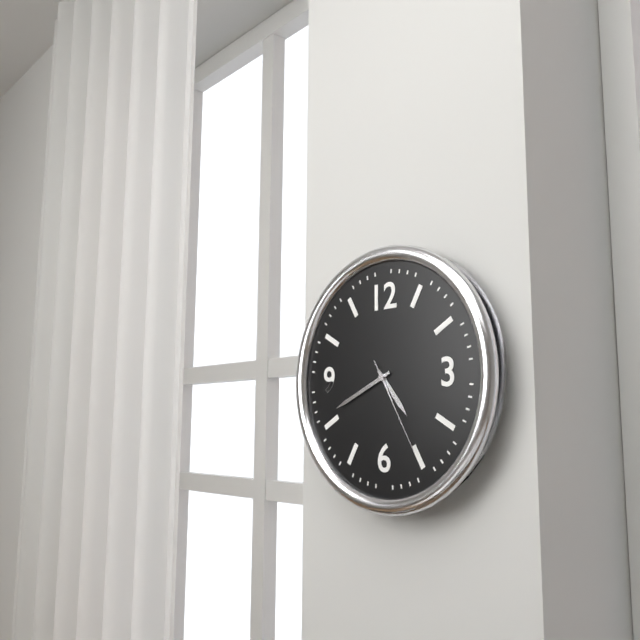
h=4 m=41 s=25
